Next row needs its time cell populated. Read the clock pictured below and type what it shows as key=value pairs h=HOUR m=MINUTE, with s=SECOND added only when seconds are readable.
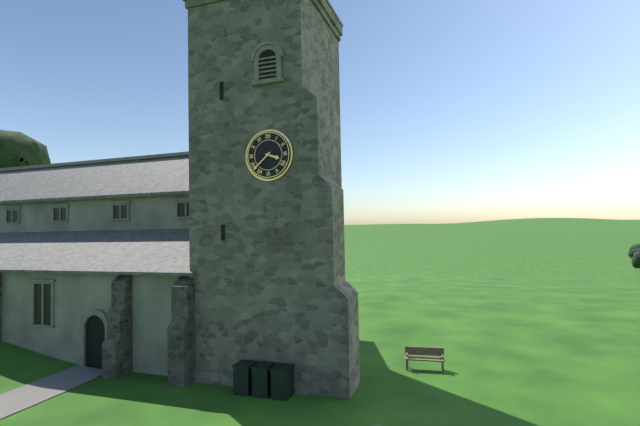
h=3 m=38
